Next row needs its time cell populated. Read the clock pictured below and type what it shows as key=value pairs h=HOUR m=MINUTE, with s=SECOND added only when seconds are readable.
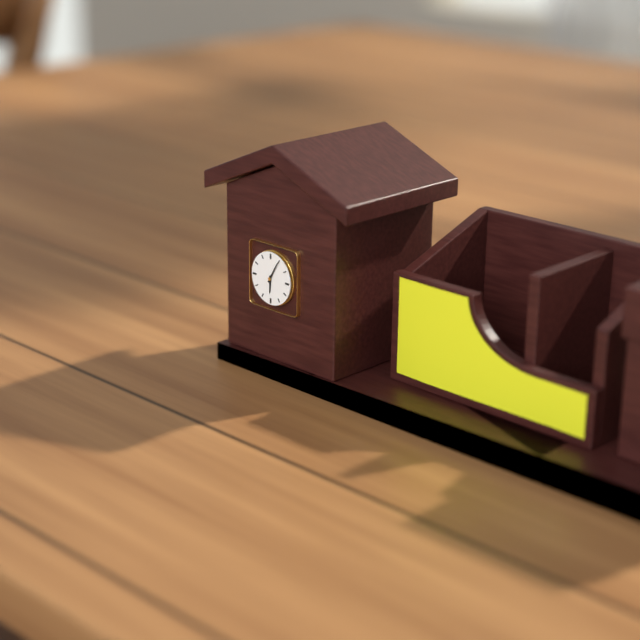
h=6 m=5
